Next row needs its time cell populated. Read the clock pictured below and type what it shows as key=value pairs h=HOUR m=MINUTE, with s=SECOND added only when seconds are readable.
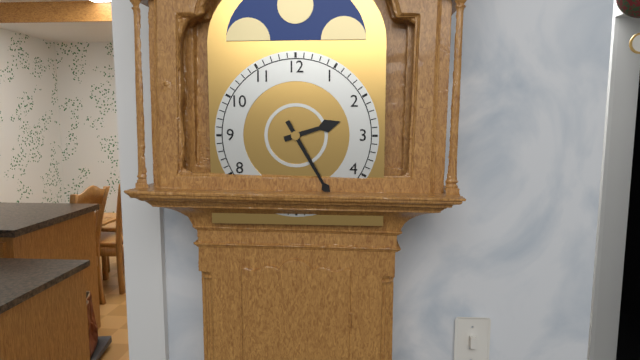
h=2 m=25
